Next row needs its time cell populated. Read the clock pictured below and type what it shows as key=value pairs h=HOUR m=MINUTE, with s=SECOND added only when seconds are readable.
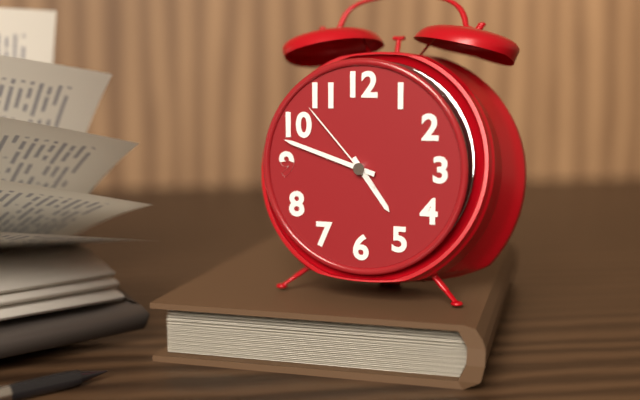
h=4 m=48 s=53
